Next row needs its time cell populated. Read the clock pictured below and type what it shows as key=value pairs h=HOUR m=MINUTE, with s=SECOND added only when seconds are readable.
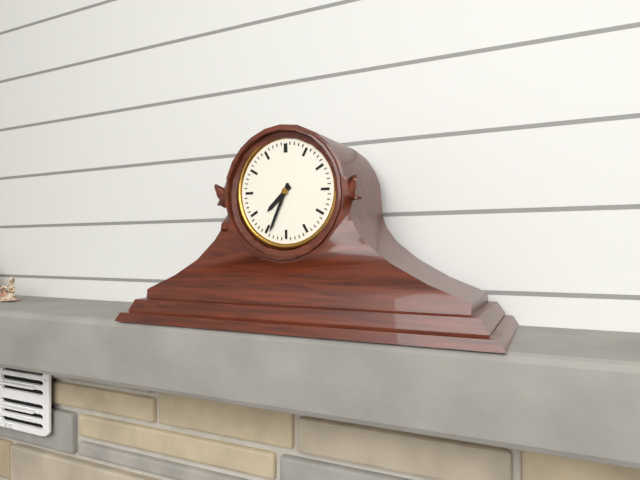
h=7 m=34
